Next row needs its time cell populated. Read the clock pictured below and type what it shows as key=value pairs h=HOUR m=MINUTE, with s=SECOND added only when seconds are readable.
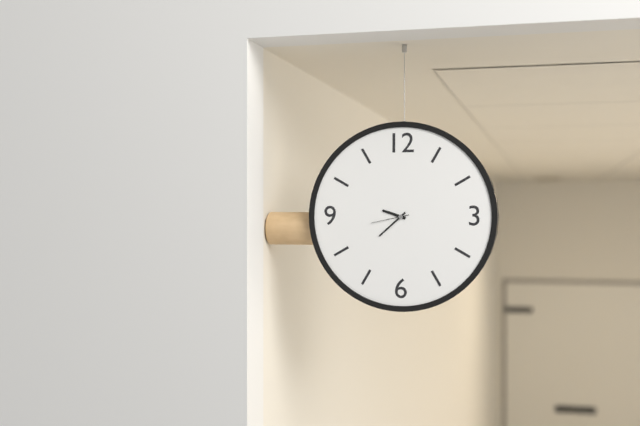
h=9 m=38
